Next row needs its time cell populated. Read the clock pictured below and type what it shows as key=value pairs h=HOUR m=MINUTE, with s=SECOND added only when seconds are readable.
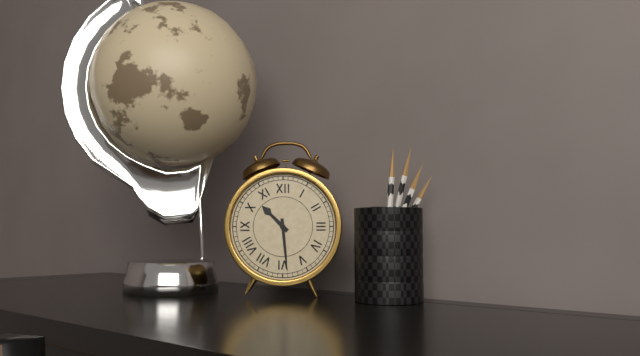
h=10 m=29
